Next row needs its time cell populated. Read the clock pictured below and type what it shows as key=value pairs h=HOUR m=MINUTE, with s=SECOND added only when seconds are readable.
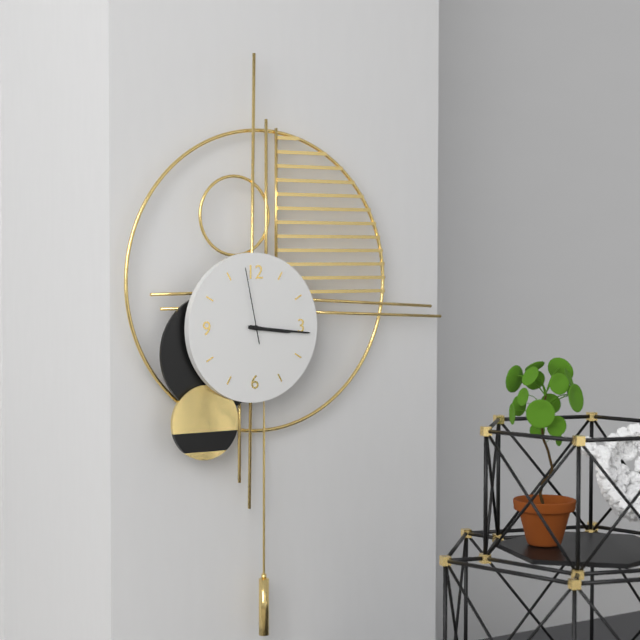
h=3 m=16 s=58
